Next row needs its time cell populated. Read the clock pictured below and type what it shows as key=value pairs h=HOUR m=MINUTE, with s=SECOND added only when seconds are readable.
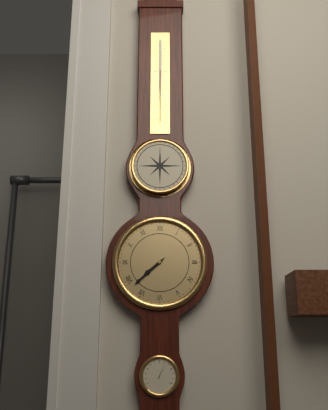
h=7 m=38
